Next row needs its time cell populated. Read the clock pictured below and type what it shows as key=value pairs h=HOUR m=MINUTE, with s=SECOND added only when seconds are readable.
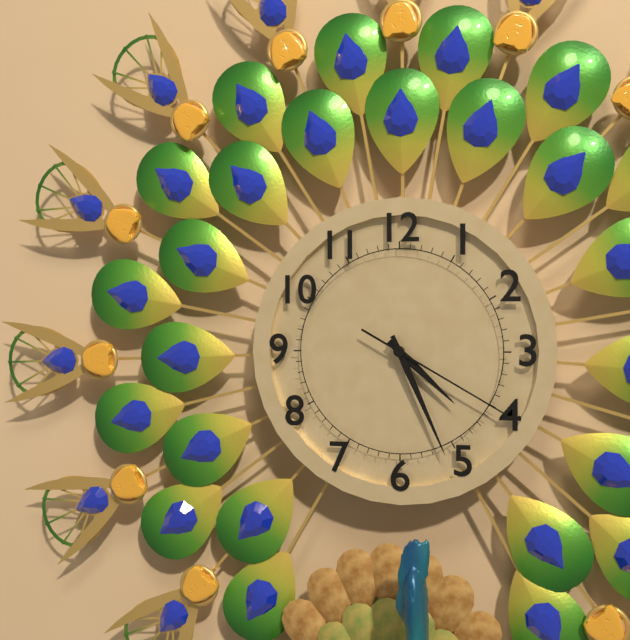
h=4 m=26 s=20
